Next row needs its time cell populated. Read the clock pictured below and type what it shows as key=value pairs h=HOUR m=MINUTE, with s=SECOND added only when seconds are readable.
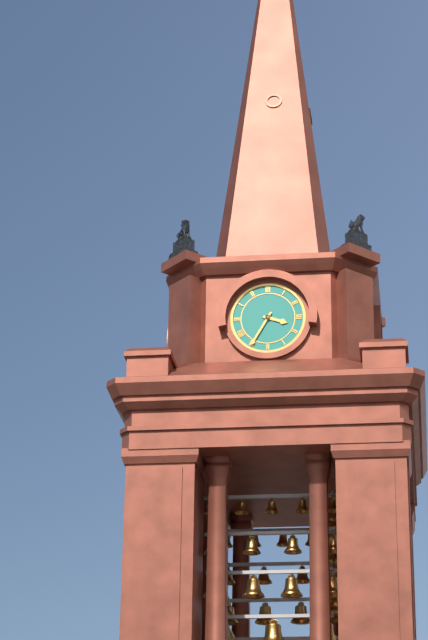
h=3 m=35
